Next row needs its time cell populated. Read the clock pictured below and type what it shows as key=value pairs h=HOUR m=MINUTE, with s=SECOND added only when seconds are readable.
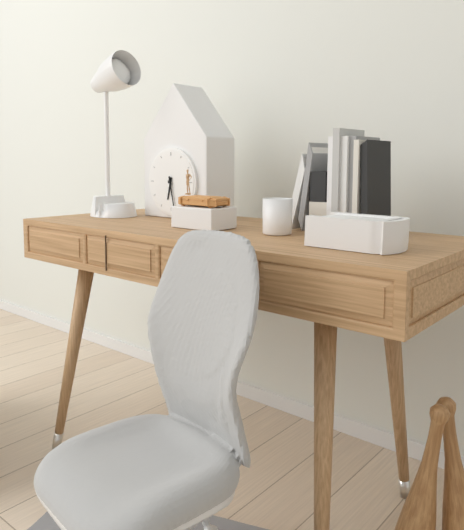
h=6 m=28
